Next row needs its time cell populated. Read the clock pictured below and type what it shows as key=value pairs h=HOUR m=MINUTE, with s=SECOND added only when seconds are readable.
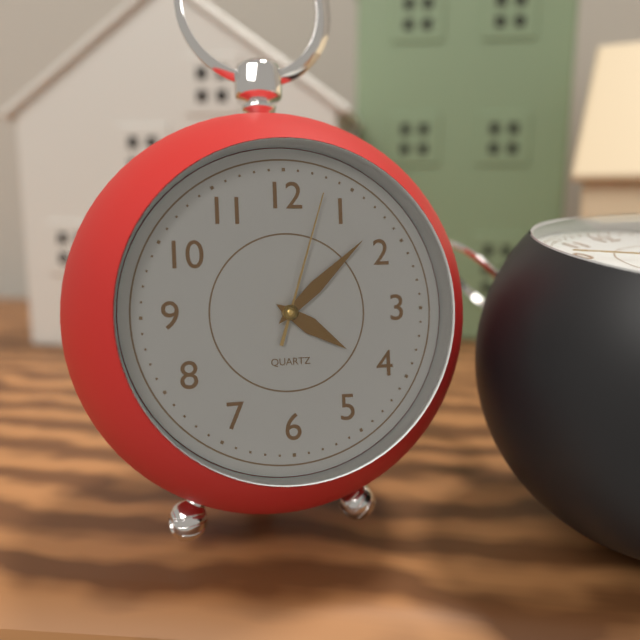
h=4 m=8 s=3
